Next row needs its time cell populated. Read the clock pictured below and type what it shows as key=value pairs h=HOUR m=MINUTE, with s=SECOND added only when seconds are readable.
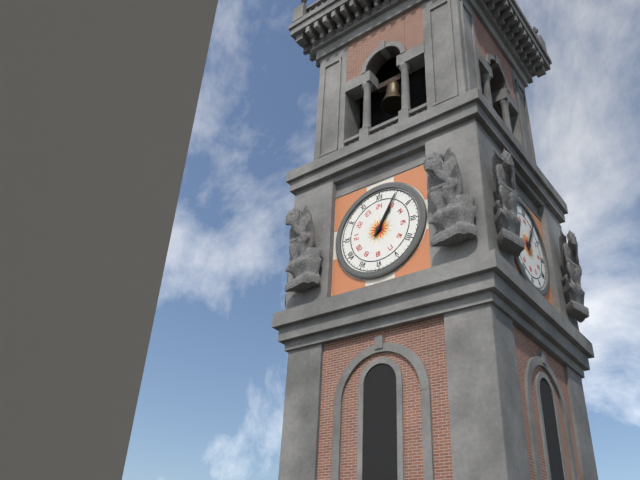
h=1 m=5
